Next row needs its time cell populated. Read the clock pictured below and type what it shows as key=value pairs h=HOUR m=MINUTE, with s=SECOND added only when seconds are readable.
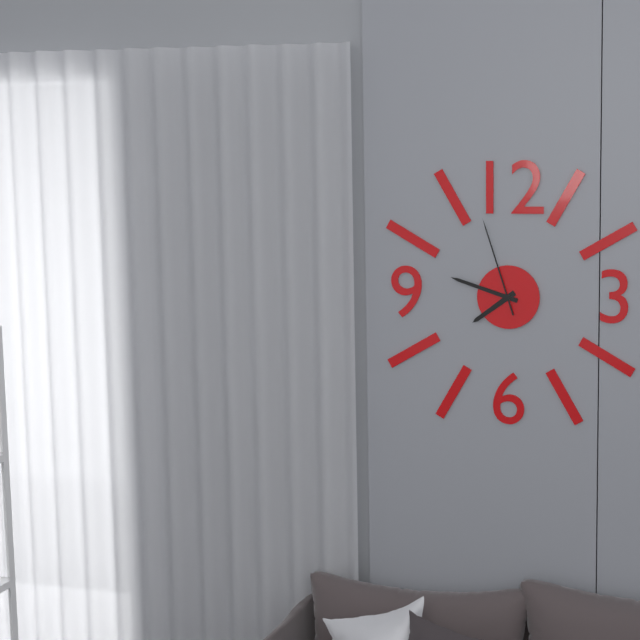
h=7 m=48 s=57
